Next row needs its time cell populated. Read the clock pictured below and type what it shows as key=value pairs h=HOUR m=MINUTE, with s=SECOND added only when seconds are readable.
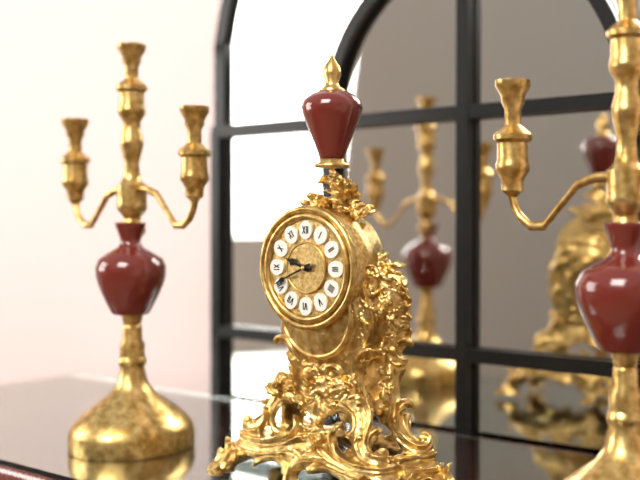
h=9 m=41
